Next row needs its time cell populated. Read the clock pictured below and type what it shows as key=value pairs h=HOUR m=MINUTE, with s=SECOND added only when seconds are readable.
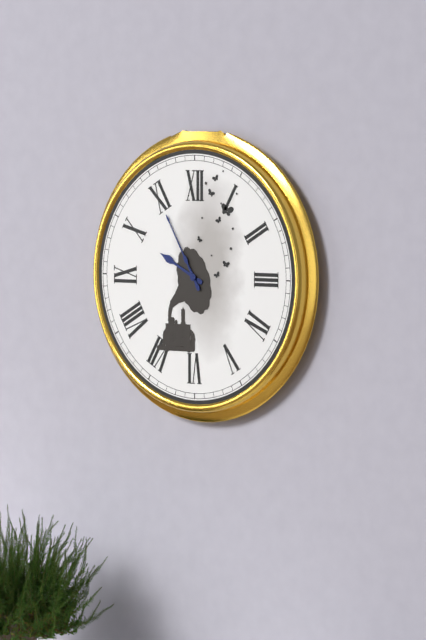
h=9 m=55
